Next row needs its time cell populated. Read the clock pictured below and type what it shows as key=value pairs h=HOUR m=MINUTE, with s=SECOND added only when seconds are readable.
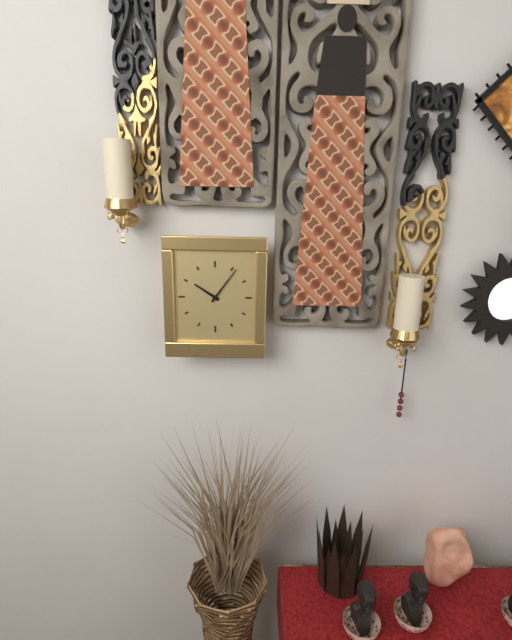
h=10 m=6
